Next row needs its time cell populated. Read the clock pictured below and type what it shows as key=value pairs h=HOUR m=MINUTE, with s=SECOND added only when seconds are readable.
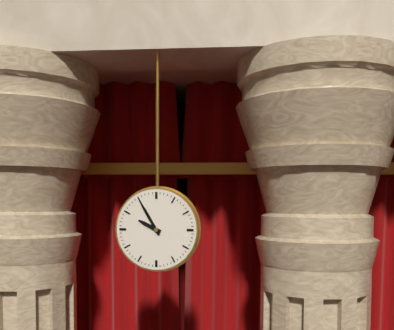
h=9 m=55
